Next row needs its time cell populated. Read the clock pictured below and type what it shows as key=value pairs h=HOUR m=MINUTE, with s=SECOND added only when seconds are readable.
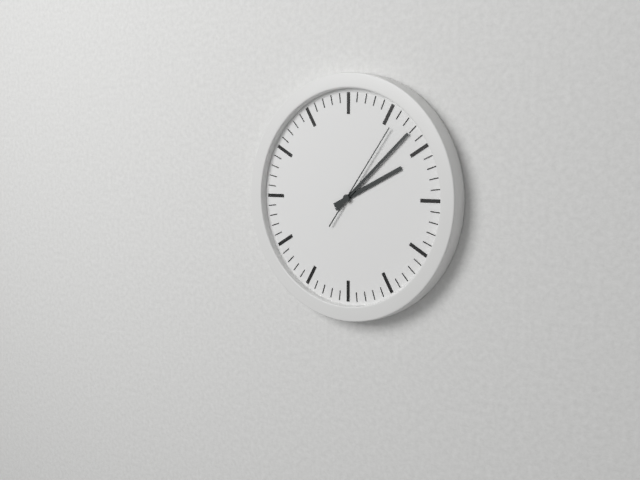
h=2 m=8 s=6
